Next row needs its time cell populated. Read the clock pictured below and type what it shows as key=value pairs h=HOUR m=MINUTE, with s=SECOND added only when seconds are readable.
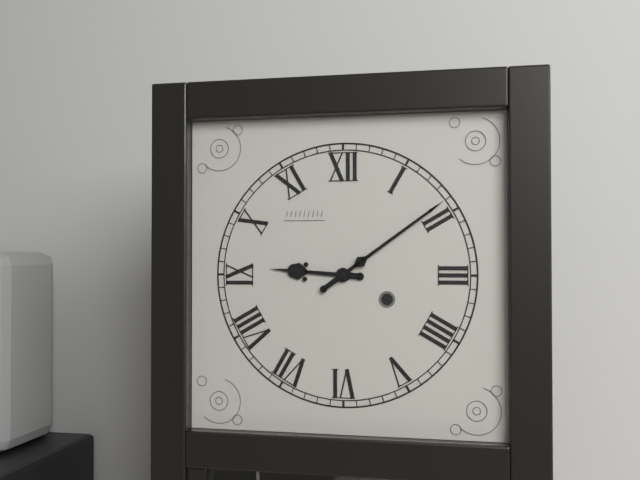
h=9 m=9
